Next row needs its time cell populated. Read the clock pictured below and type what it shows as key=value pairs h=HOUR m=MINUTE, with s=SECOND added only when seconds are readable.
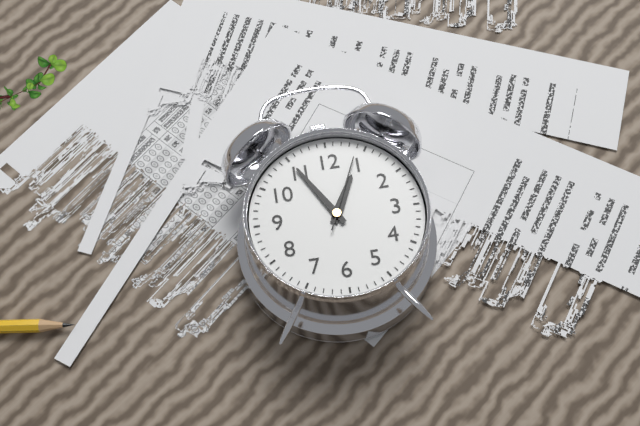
h=12 m=55 s=4
